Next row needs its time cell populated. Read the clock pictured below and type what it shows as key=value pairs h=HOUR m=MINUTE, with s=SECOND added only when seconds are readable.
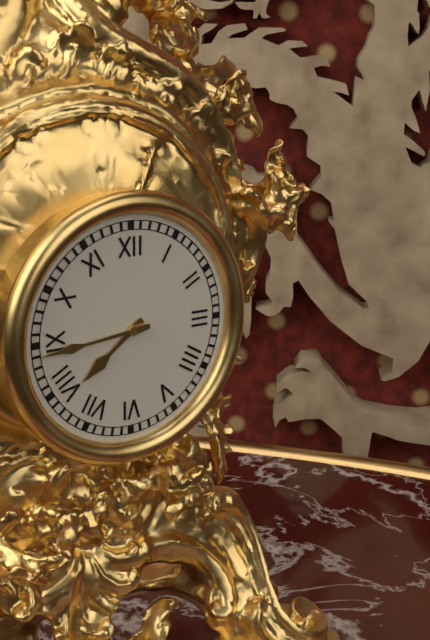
h=7 m=44
